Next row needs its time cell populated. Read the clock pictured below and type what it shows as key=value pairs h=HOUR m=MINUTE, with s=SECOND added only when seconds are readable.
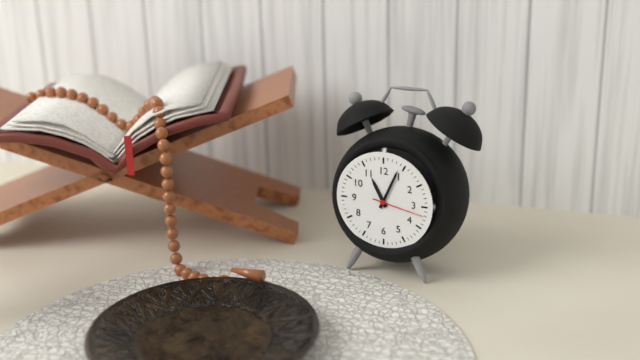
h=11 m=4 s=17
